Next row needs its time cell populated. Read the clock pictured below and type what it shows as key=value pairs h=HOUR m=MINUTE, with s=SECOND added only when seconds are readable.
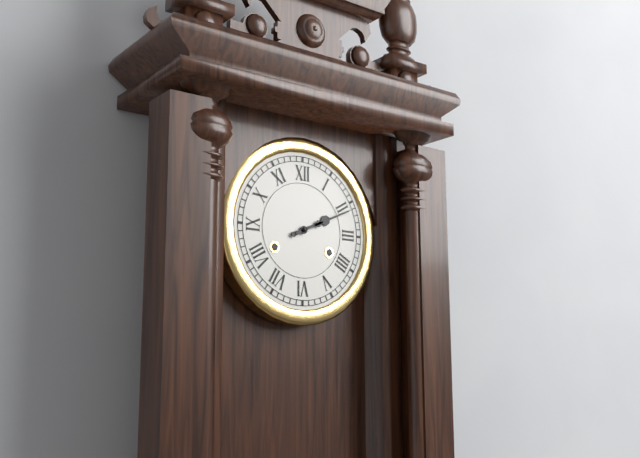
h=2 m=11
